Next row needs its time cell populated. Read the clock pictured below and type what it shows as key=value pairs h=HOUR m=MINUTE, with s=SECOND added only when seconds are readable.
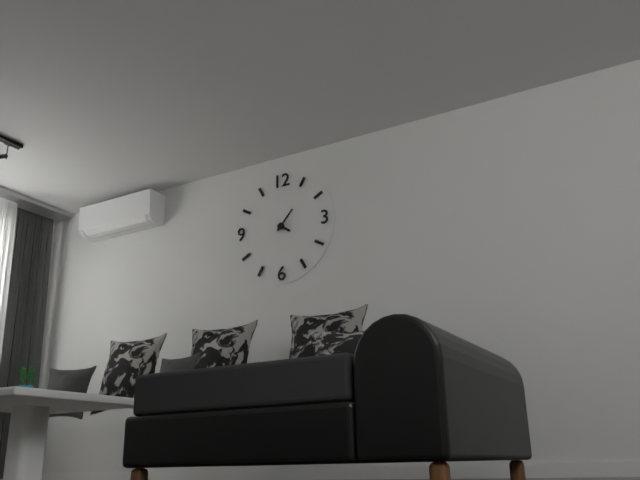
h=4 m=7
